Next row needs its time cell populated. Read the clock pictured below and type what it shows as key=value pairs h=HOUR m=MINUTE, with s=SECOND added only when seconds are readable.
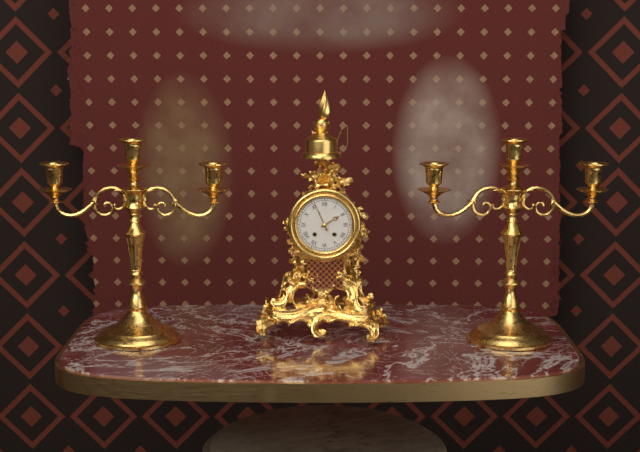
h=1 m=56
